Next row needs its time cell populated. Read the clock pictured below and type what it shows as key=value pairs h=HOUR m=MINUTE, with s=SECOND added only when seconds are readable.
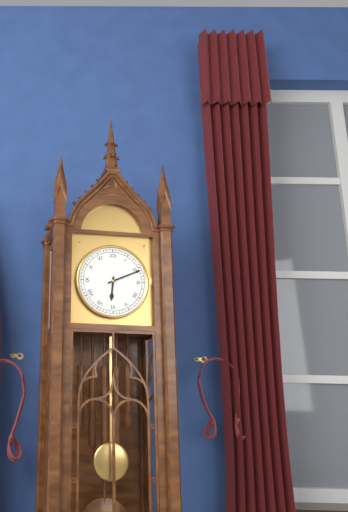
h=6 m=11
